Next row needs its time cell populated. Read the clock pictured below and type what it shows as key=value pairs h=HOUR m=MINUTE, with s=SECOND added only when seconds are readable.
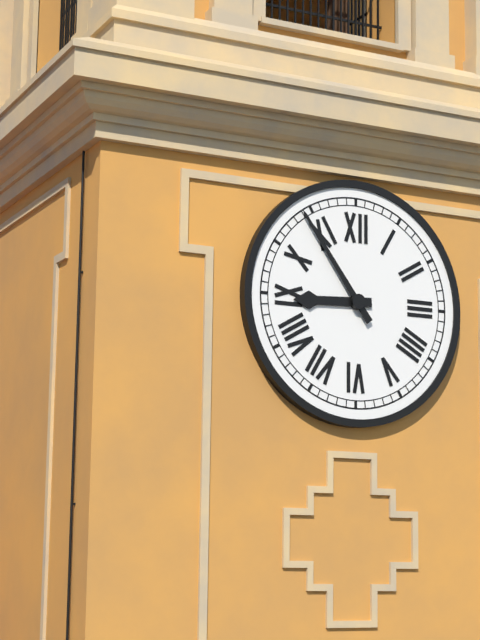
h=8 m=54
